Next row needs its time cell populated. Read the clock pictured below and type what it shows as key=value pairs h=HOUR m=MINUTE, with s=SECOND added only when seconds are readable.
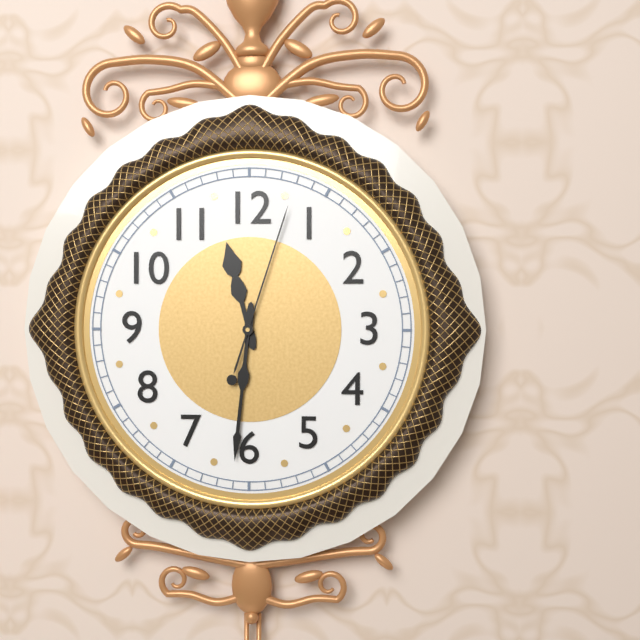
h=11 m=31 s=3
